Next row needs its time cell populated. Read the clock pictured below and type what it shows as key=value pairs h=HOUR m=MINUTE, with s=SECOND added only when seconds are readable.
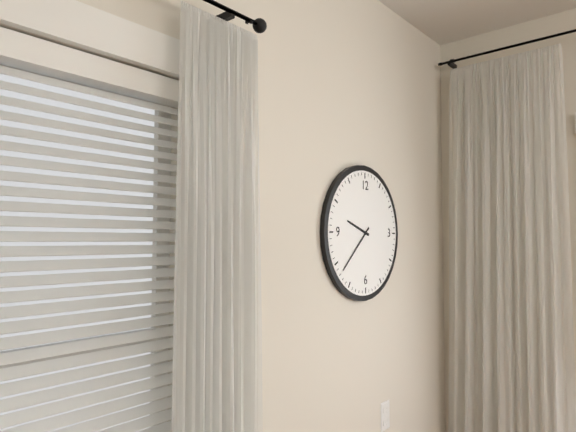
h=9 m=38
